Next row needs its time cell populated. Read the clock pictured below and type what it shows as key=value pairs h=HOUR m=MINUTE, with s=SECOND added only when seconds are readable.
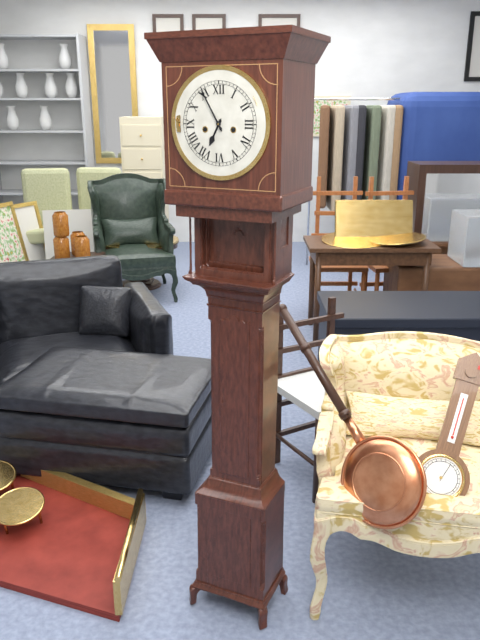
h=6 m=55
